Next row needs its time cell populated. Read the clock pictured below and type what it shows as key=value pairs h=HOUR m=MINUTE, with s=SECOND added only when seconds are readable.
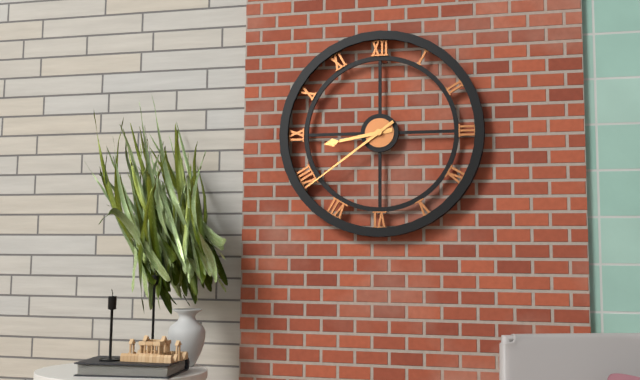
h=8 m=39
